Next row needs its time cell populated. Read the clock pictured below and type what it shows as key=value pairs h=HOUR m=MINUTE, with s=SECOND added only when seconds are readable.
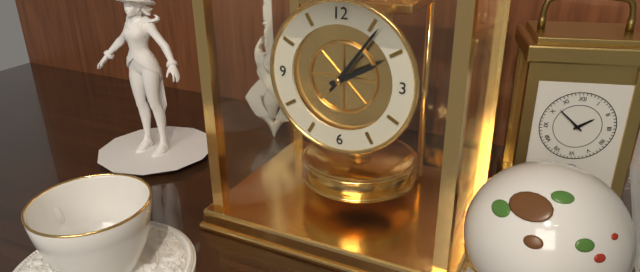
h=2 m=6
